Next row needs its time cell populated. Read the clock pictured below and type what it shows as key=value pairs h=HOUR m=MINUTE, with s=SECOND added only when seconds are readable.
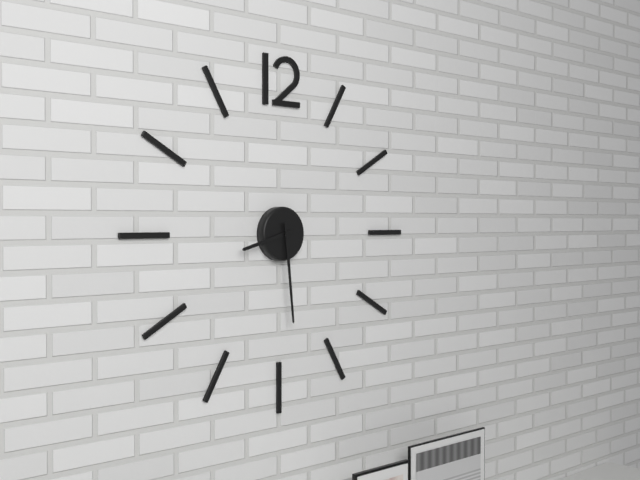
h=8 m=29
